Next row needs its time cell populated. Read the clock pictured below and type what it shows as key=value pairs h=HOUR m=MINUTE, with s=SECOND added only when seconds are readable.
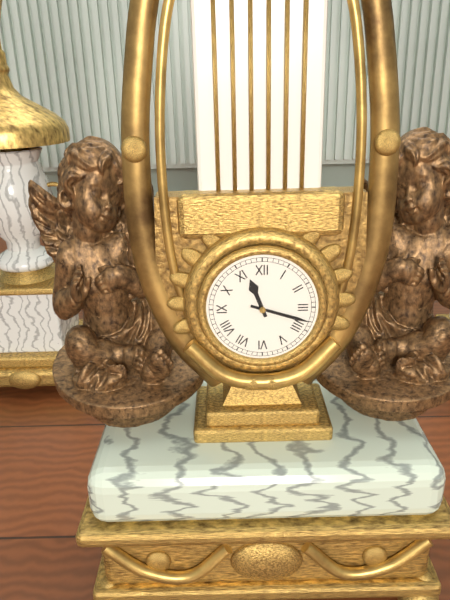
h=11 m=18
